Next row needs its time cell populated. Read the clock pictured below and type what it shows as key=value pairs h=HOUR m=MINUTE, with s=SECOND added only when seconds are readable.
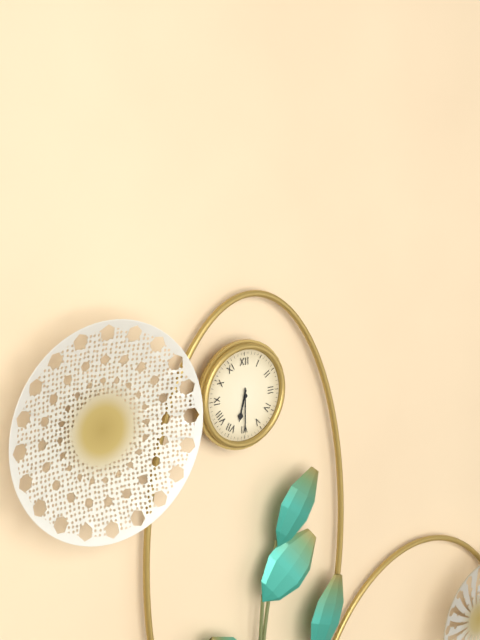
h=6 m=30
